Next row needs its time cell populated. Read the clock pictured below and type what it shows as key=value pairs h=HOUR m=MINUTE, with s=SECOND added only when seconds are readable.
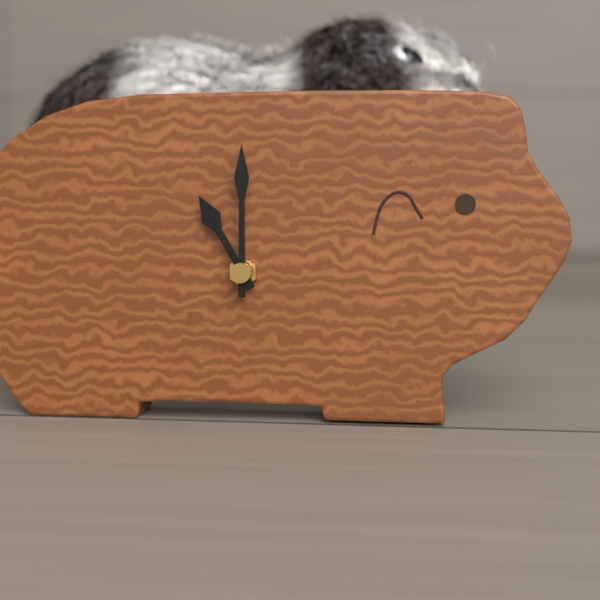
h=11 m=0
